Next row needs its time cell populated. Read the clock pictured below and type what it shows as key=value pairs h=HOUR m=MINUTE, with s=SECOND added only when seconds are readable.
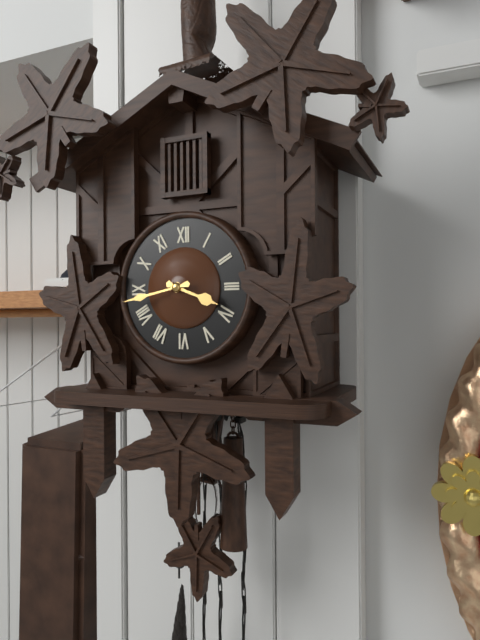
h=3 m=43
